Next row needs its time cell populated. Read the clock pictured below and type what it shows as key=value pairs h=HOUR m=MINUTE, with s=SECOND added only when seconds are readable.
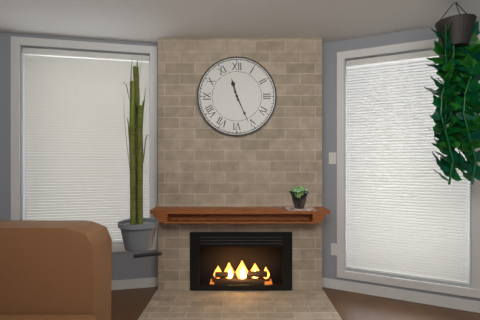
h=11 m=26
